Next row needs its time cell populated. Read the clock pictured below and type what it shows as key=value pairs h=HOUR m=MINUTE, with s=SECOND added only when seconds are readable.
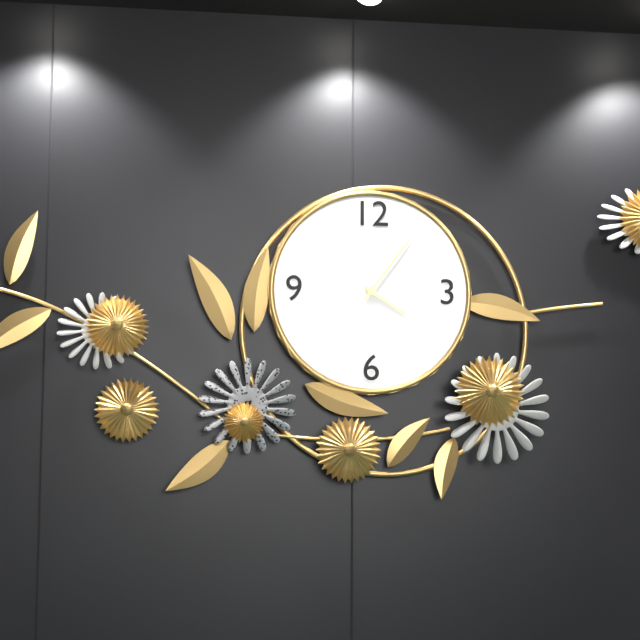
h=4 m=6
